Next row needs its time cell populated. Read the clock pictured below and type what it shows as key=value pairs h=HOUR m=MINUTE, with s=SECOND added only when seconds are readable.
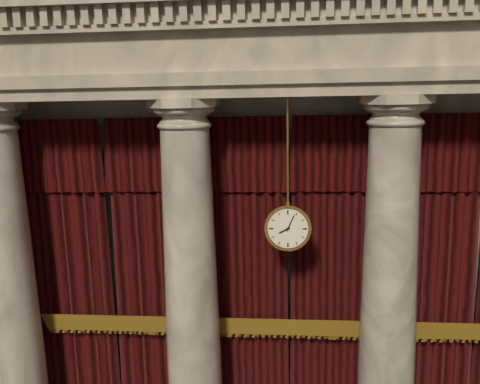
h=8 m=4
